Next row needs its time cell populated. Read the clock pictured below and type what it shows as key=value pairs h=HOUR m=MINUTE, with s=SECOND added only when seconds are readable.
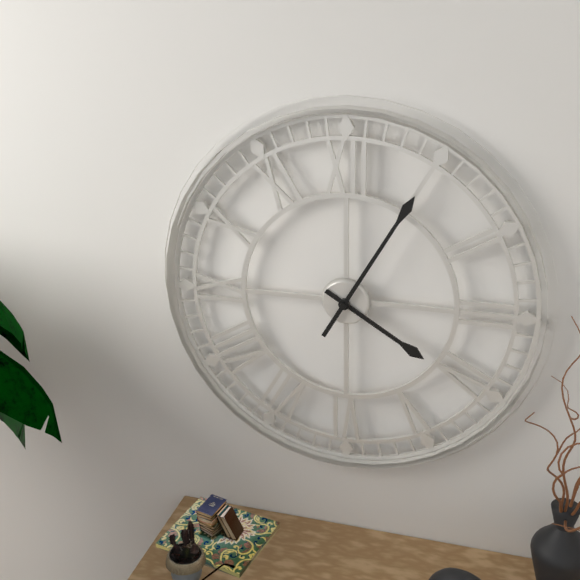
h=4 m=5
